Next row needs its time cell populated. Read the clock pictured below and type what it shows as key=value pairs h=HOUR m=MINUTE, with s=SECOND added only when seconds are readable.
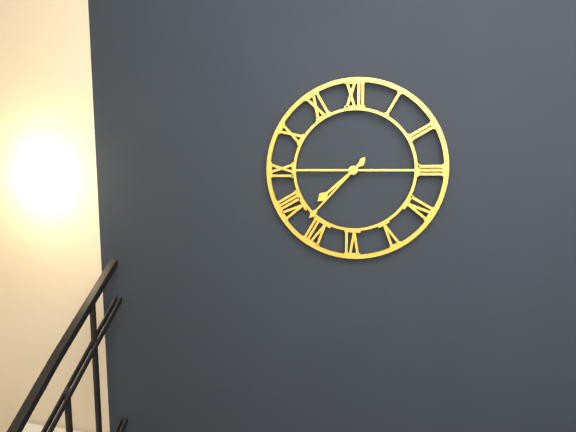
h=7 m=37
